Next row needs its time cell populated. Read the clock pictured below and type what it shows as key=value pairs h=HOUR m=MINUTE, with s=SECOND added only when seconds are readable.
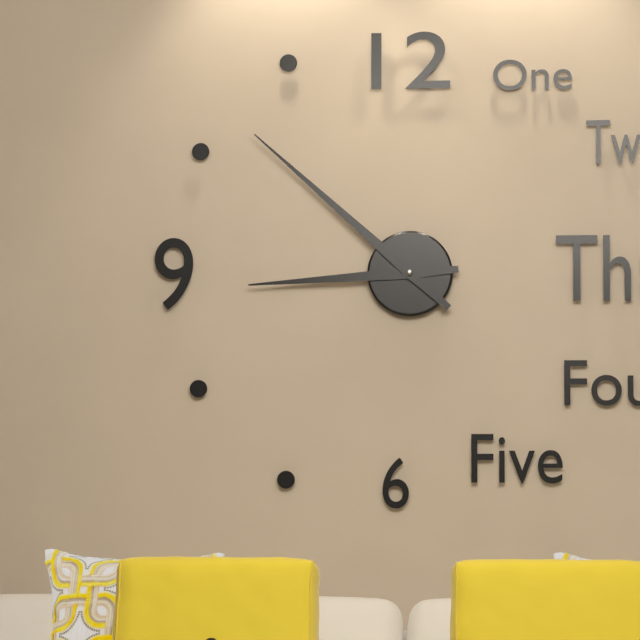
h=8 m=52
